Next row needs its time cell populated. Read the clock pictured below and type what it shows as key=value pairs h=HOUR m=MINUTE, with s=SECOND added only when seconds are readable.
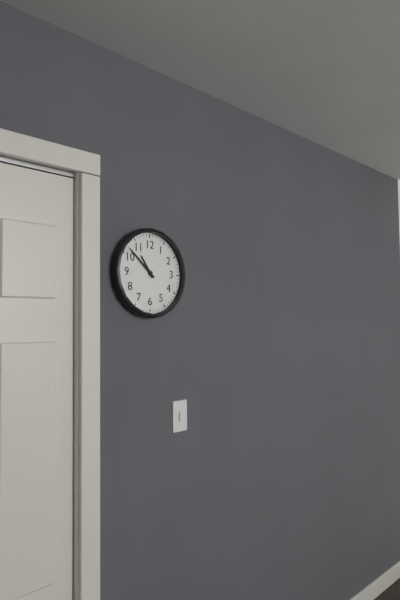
h=10 m=52
